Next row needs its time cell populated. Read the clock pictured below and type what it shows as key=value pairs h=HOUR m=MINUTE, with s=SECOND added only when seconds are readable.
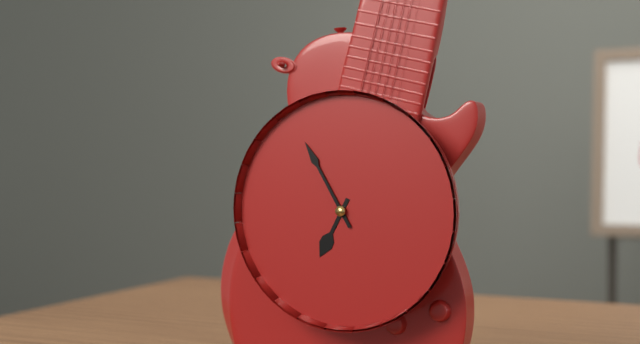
h=6 m=55
